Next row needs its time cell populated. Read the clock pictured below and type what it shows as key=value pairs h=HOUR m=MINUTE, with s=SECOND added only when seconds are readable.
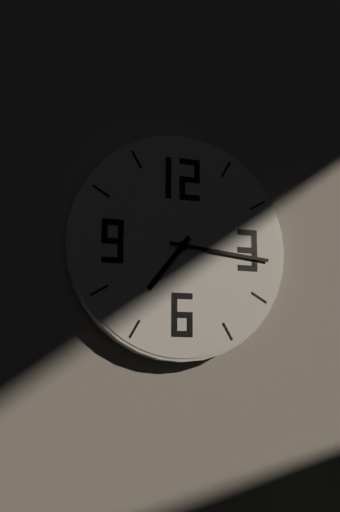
h=7 m=16
